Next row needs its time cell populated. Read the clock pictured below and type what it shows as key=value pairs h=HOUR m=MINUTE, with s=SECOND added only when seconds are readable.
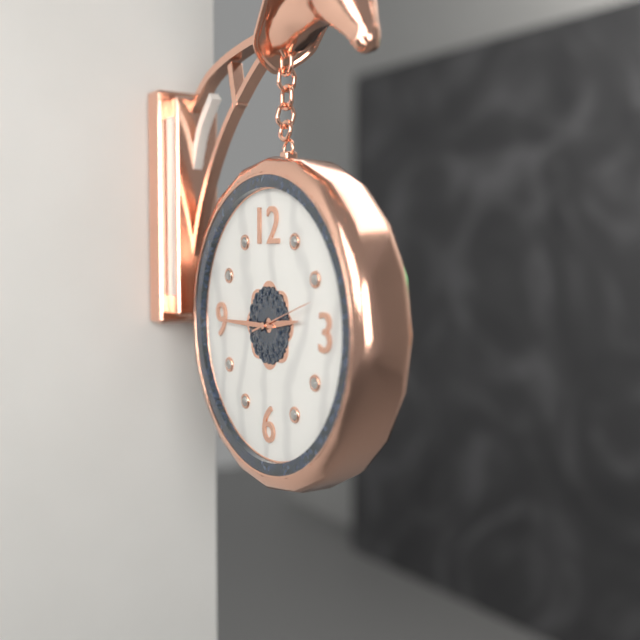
h=2 m=45
